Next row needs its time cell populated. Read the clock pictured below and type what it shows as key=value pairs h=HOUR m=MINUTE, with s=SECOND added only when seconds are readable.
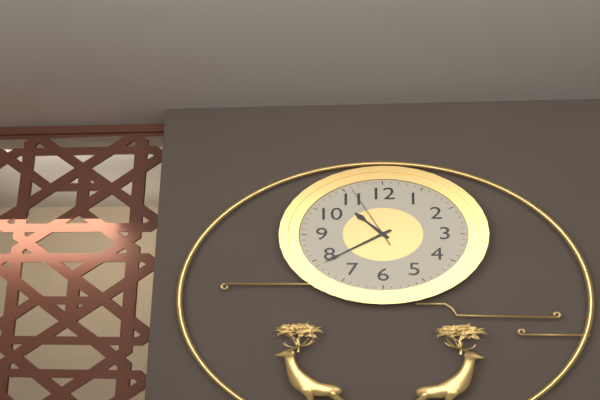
h=10 m=39 s=56
